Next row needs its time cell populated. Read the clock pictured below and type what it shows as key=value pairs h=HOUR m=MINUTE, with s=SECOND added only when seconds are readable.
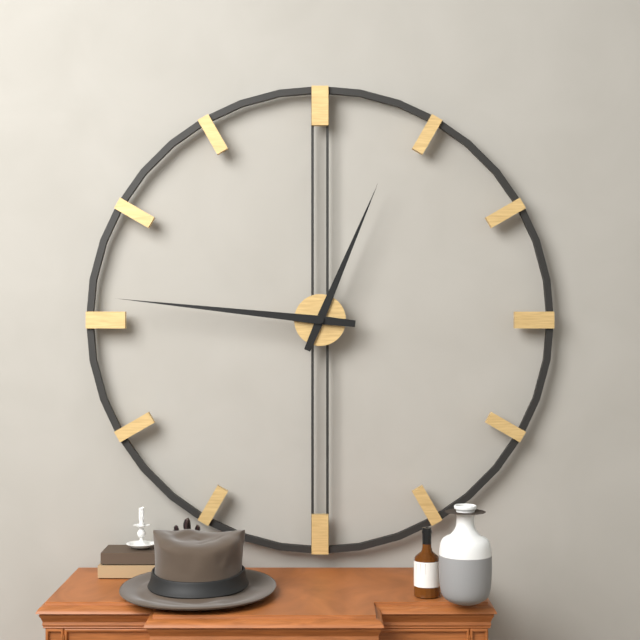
h=12 m=46
